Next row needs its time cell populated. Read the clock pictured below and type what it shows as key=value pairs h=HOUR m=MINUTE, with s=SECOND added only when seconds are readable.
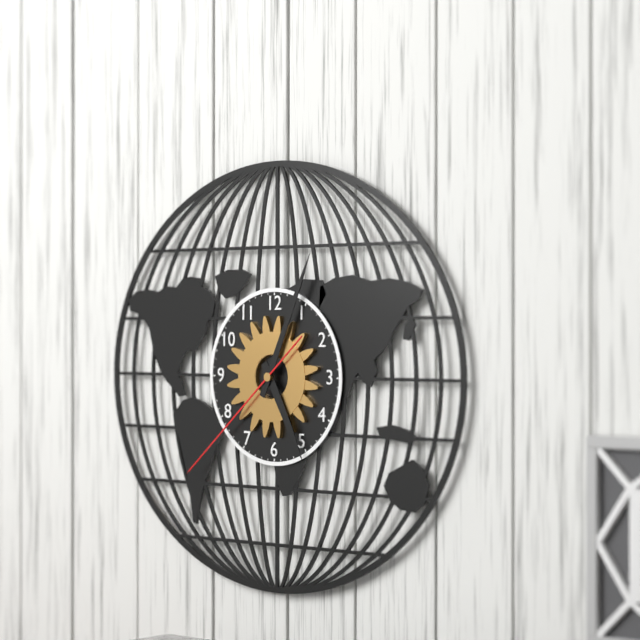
h=5 m=4 s=38
